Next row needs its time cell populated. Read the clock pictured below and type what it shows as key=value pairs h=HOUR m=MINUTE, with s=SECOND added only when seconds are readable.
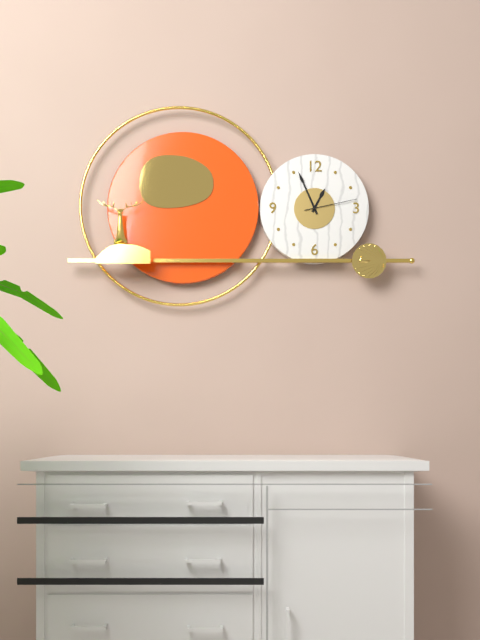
h=12 m=56 s=13
